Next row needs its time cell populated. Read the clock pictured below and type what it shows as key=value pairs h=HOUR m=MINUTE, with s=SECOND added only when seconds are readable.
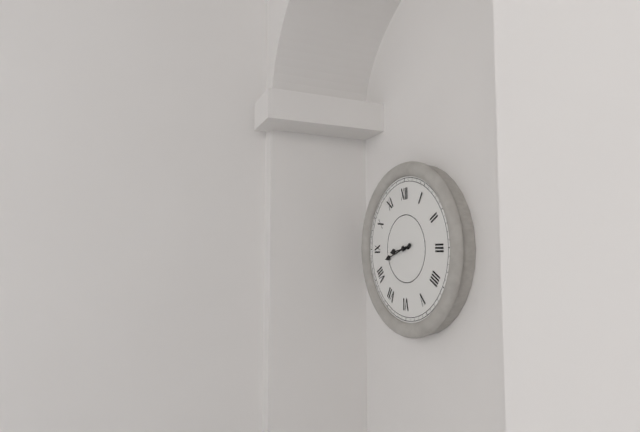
h=8 m=42
